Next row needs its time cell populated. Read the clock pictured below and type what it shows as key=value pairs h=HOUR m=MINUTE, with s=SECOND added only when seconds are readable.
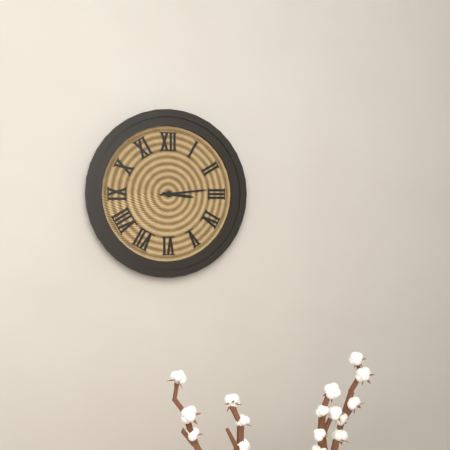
h=3 m=14
